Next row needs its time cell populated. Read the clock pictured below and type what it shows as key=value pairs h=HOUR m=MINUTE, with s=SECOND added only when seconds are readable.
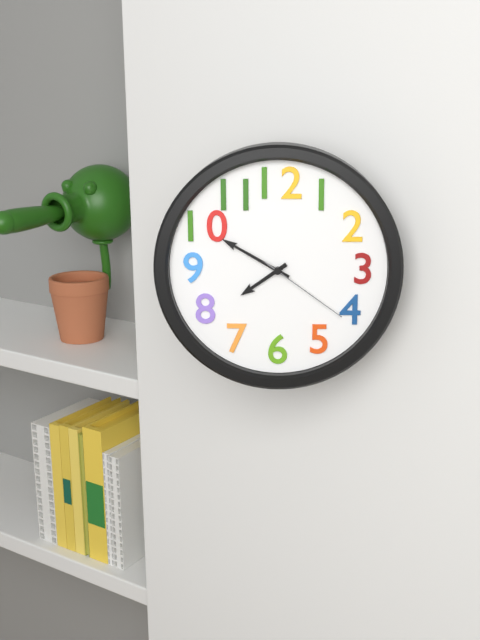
h=7 m=50 s=21
